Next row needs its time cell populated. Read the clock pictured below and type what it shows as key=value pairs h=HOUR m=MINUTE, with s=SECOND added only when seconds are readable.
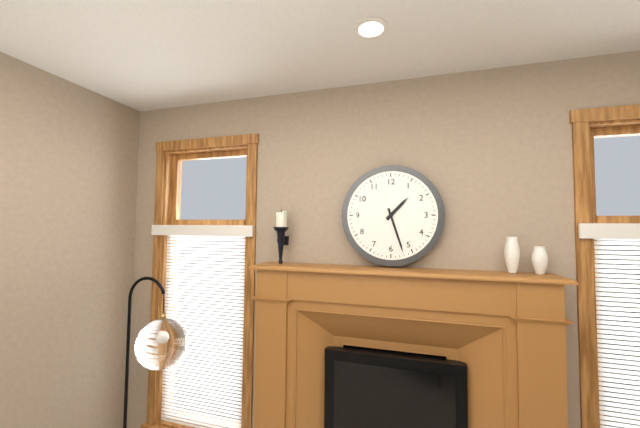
h=1 m=27
